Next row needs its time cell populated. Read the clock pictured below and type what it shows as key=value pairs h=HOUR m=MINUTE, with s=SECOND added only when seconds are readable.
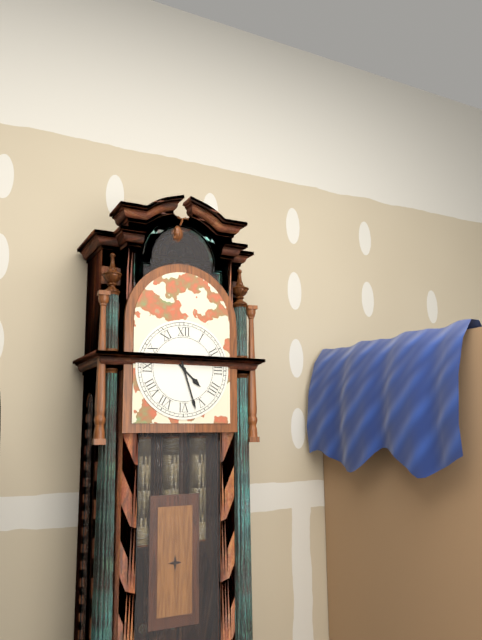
h=4 m=27
